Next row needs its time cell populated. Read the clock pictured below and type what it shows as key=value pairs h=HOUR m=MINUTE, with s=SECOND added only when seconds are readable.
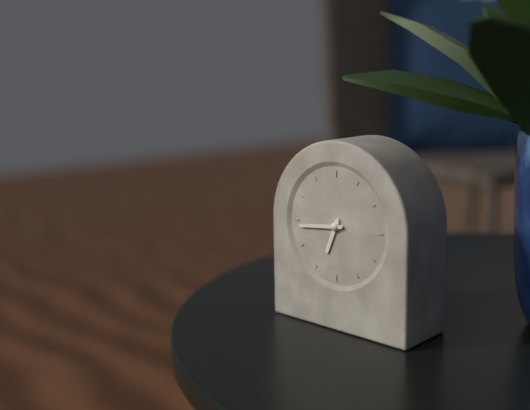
h=6 m=44
